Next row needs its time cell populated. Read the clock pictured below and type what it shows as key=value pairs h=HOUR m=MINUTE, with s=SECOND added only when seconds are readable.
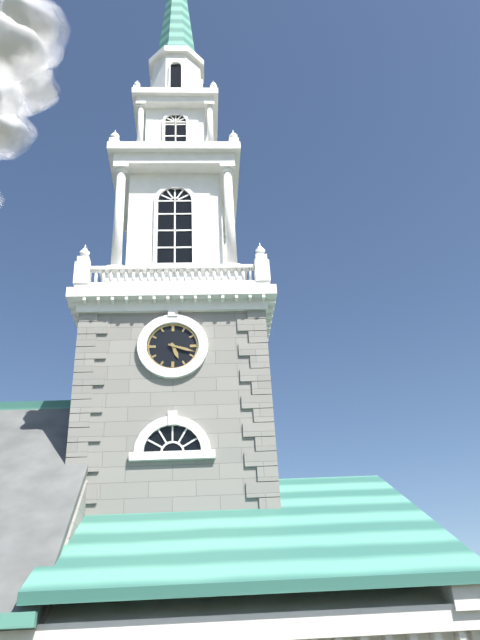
h=5 m=18
